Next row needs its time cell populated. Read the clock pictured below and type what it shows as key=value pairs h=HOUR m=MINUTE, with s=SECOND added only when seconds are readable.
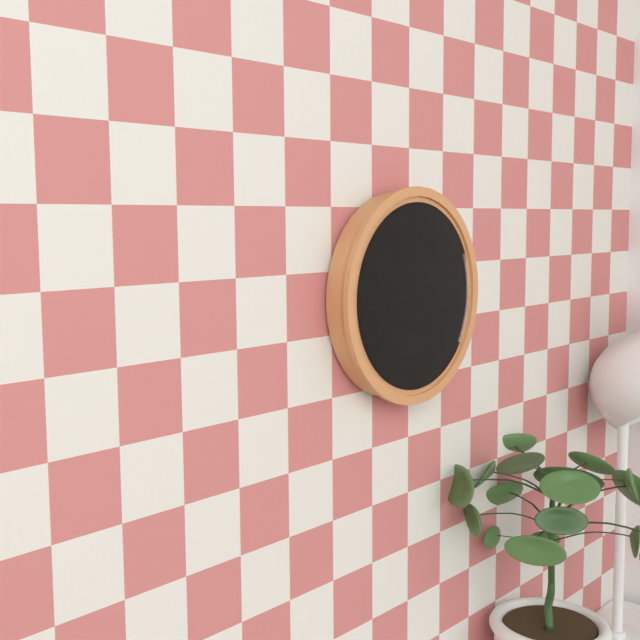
h=2 m=54
